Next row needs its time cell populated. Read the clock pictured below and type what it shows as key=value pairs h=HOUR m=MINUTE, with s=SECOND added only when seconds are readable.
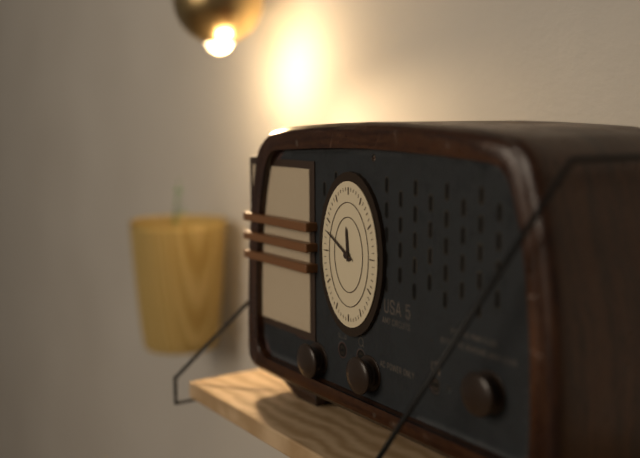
h=11 m=50
